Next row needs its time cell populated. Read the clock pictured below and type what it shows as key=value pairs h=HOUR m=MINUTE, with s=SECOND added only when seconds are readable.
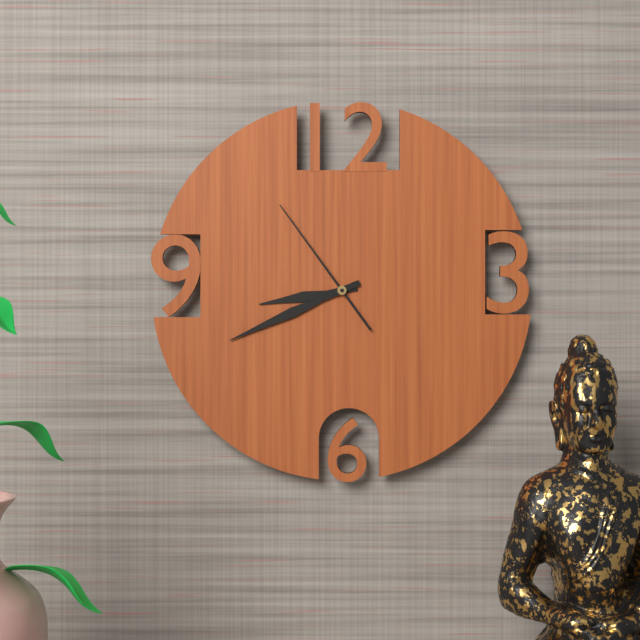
h=8 m=41 s=54
